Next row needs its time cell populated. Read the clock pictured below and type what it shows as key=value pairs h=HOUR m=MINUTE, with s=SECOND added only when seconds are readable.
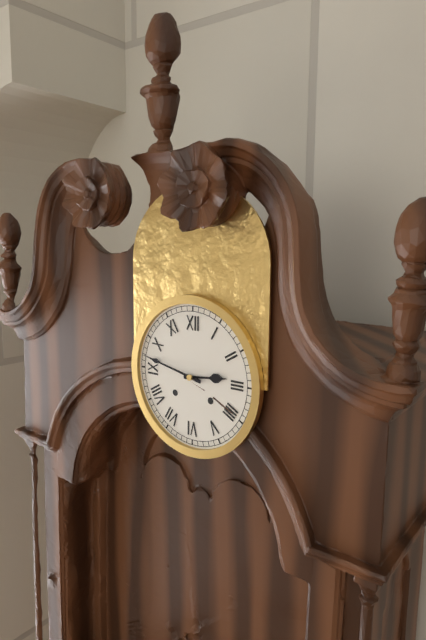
h=2 m=47
